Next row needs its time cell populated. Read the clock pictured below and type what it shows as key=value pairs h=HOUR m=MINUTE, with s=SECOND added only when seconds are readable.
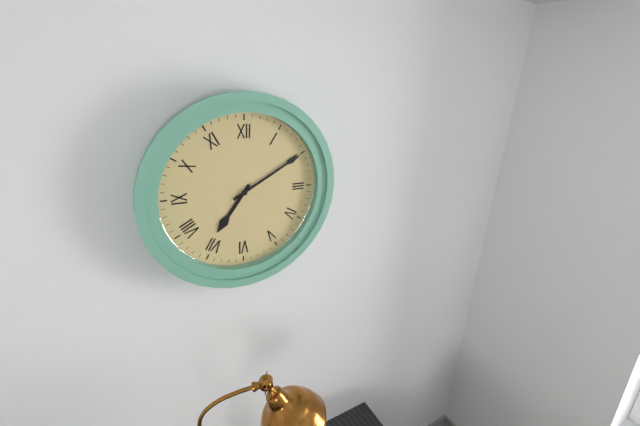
h=7 m=10
